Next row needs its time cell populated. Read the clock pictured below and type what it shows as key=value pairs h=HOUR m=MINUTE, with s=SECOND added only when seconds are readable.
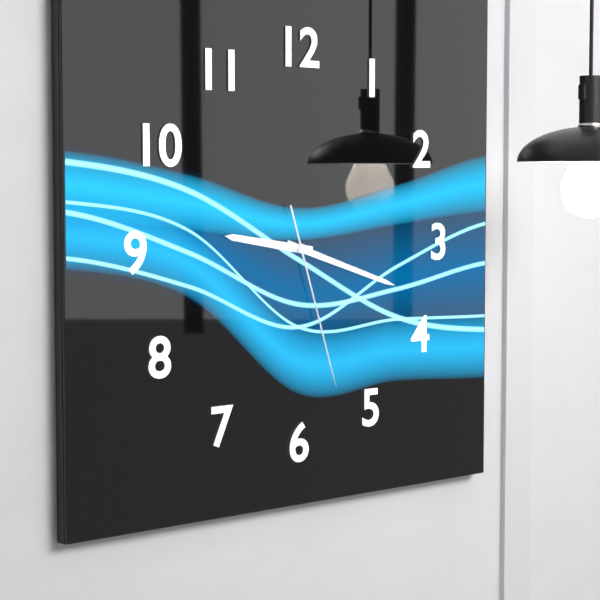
h=9 m=18 s=27
